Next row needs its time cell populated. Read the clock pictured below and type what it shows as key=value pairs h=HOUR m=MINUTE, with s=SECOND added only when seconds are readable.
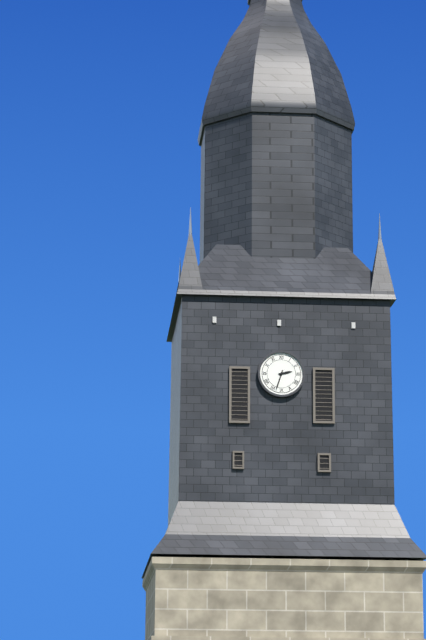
h=2 m=33
